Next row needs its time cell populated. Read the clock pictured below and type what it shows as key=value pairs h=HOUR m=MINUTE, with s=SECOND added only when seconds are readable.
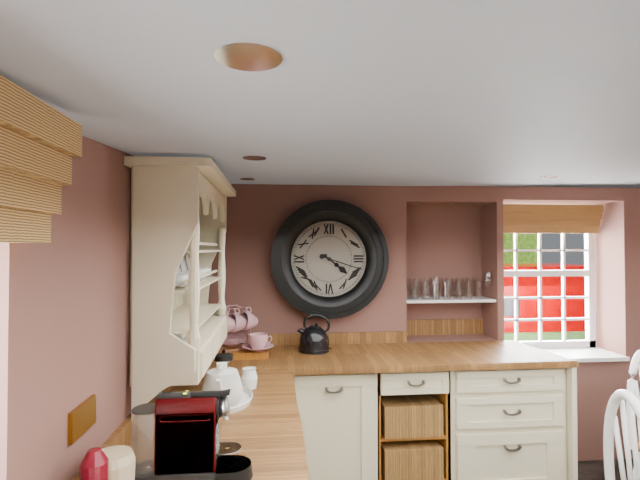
h=4 m=18
